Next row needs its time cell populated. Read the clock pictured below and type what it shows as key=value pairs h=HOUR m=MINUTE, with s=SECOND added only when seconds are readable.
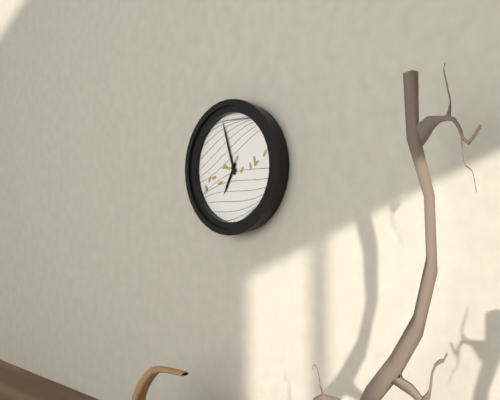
h=6 m=57
